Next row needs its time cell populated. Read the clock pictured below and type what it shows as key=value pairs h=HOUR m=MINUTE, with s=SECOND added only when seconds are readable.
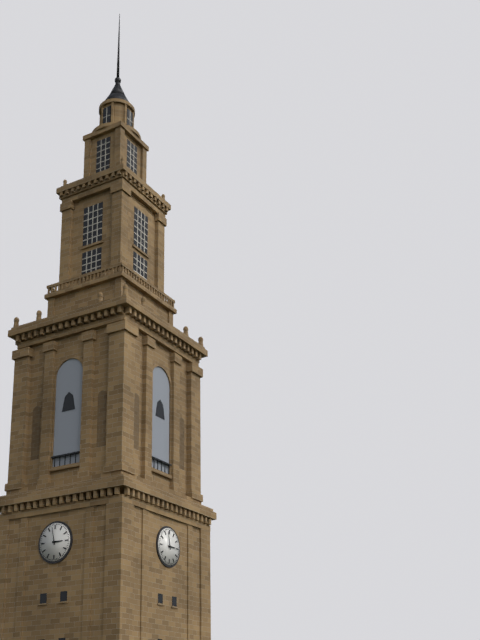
h=2 m=58
